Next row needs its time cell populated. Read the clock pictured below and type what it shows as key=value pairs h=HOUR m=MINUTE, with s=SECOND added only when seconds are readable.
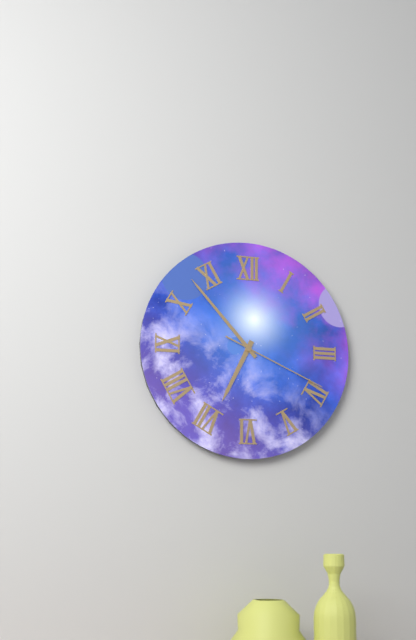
h=6 m=53 s=19
